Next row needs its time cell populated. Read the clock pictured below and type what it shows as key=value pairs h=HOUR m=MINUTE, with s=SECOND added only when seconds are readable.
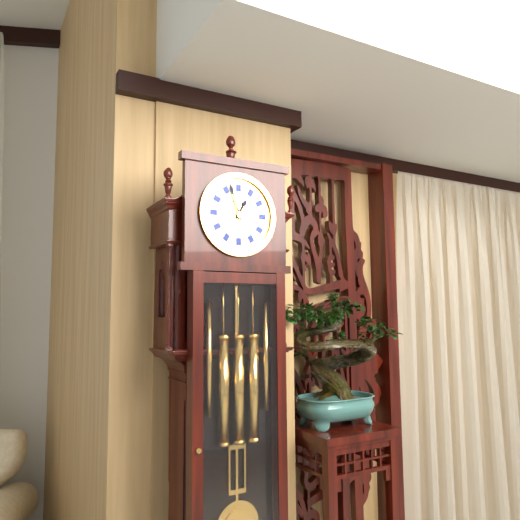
h=12 m=57
